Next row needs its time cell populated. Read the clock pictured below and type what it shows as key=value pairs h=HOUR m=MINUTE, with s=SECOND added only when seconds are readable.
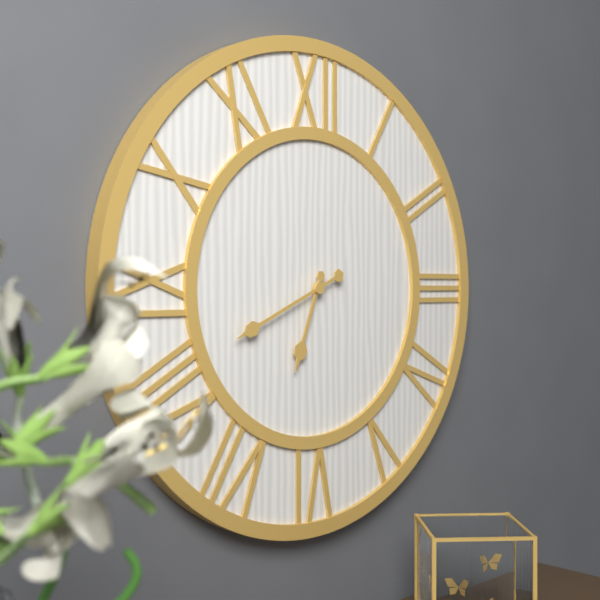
h=6 m=41
